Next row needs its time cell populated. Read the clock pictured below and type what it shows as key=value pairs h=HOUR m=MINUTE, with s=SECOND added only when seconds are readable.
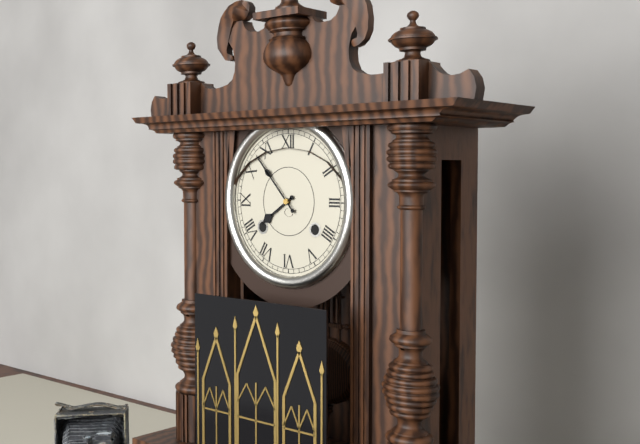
h=7 m=53
